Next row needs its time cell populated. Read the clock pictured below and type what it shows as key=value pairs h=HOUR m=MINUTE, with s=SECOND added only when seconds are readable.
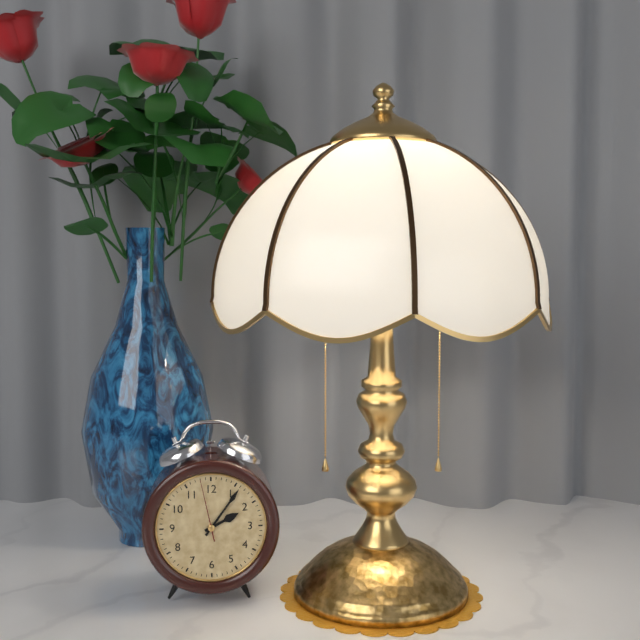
h=2 m=6 s=58
